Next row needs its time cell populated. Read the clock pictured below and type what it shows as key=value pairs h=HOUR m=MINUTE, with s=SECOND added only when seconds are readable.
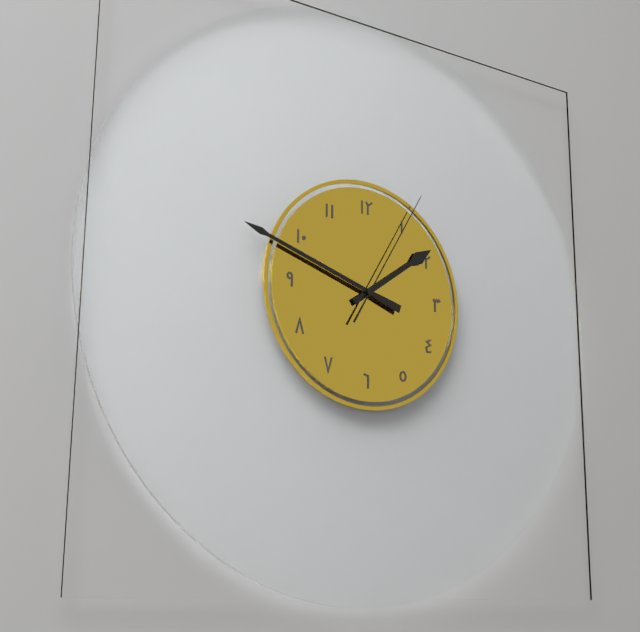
h=1 m=48 s=5
